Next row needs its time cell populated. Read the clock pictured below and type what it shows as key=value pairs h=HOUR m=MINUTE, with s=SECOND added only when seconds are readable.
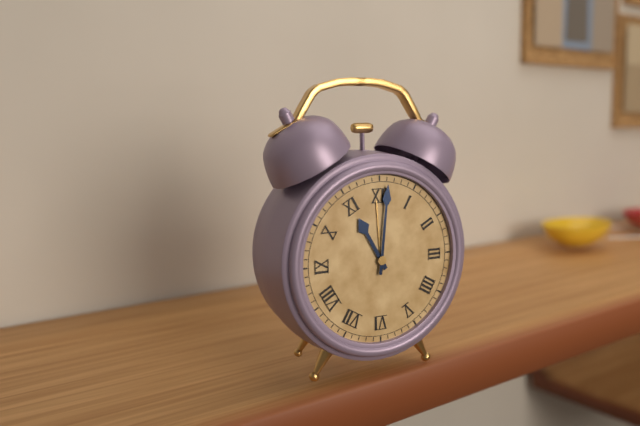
h=11 m=1
